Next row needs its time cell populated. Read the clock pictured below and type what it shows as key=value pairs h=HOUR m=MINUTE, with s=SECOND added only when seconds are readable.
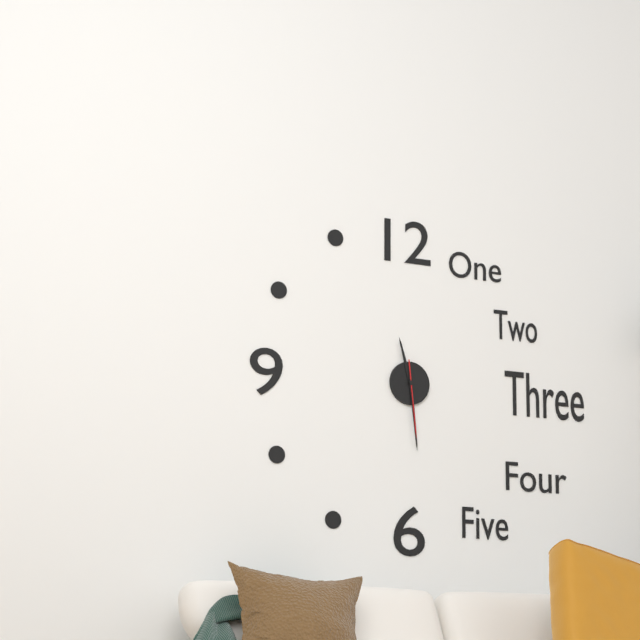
h=11 m=29 s=29
